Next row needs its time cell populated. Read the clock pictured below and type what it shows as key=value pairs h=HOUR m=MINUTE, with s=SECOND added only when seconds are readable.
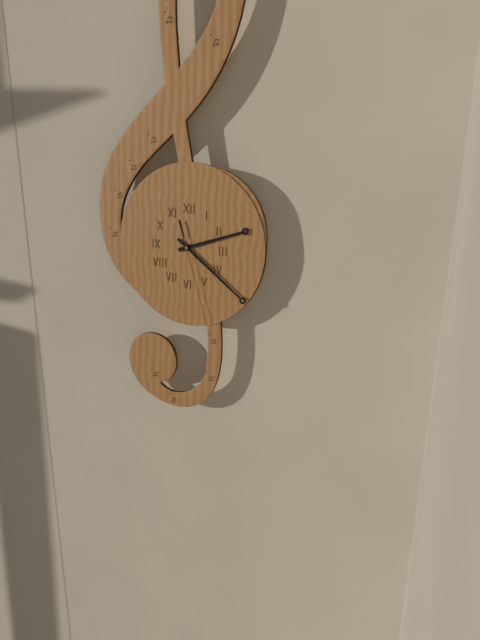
h=2 m=21 s=27
